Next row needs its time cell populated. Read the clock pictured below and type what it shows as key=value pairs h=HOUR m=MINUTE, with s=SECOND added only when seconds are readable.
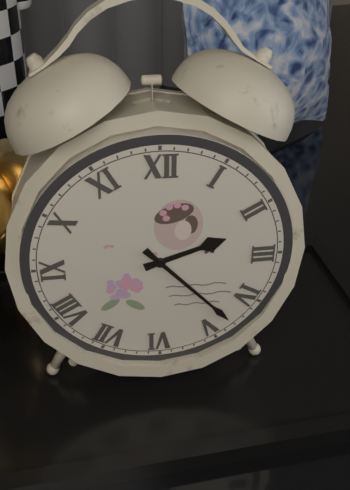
h=2 m=23
